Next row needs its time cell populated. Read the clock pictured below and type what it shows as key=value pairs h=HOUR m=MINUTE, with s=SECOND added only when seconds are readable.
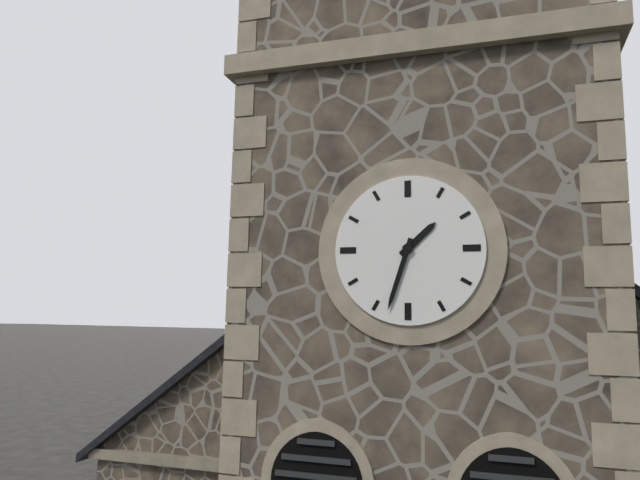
h=1 m=33
